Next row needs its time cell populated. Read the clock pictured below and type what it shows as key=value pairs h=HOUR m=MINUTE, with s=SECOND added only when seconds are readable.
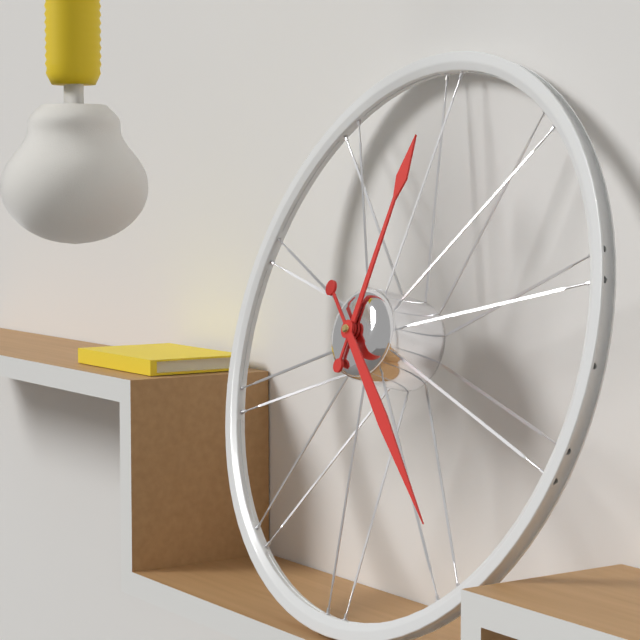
h=12 m=22
